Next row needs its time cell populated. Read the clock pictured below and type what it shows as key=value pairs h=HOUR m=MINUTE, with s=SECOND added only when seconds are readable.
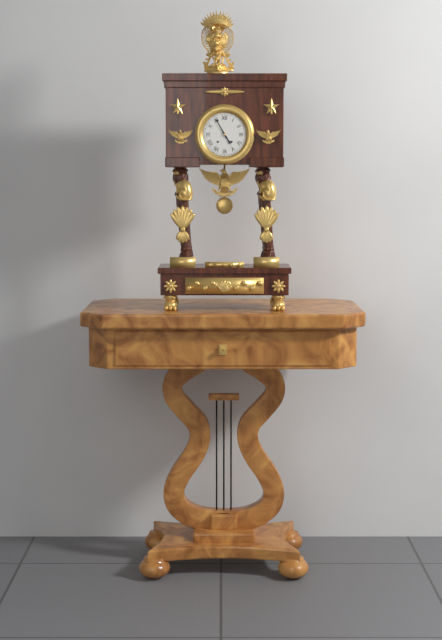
h=4 m=55
